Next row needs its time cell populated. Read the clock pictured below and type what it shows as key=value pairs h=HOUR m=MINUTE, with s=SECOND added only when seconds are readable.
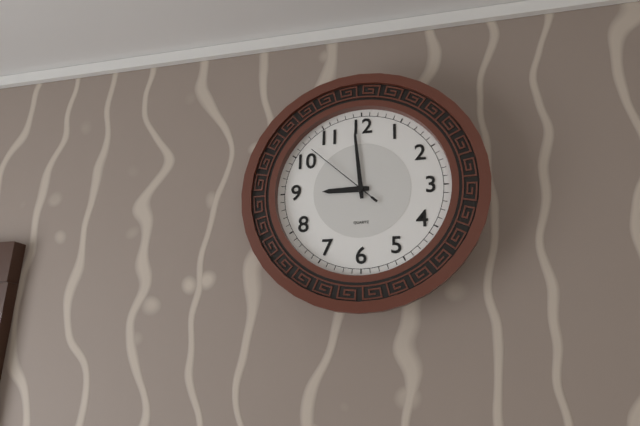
h=8 m=59 s=52
